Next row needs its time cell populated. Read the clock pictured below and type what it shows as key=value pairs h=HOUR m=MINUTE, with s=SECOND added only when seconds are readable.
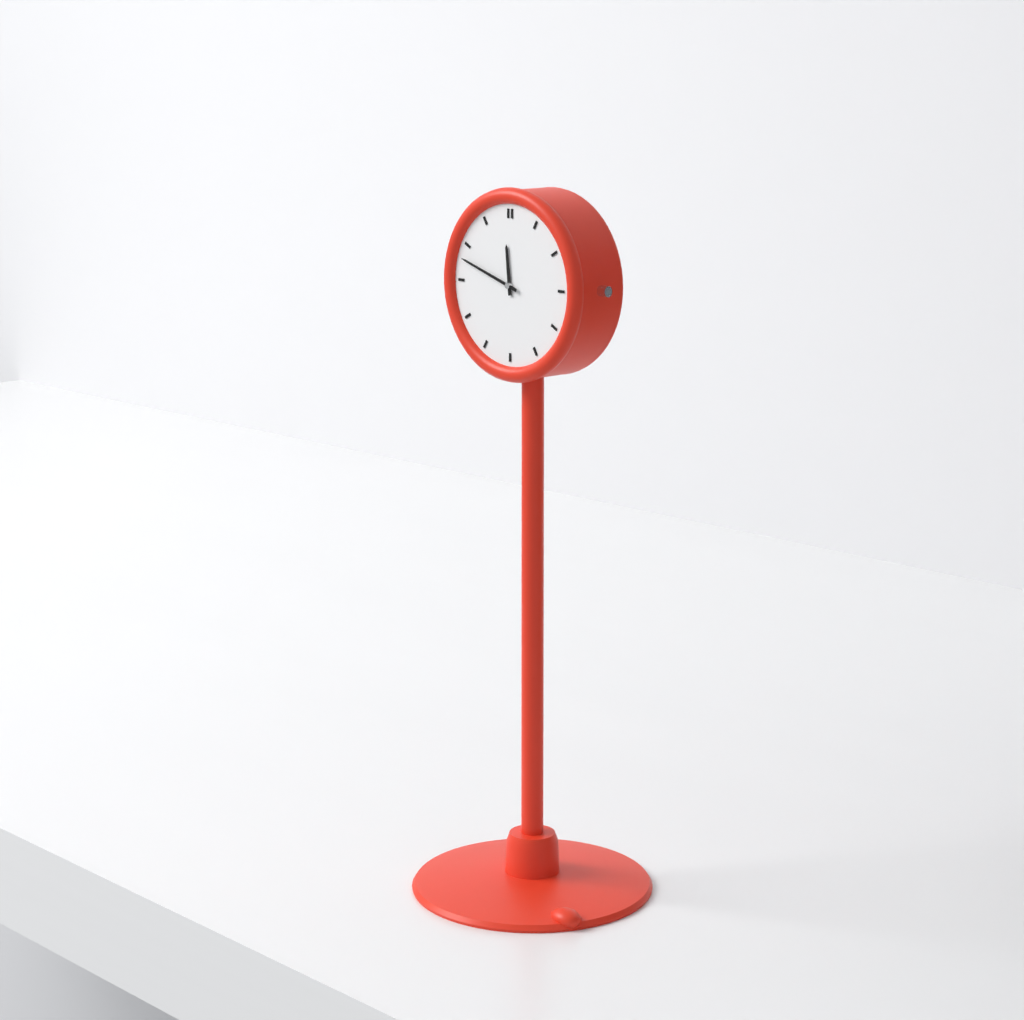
h=11 m=48
